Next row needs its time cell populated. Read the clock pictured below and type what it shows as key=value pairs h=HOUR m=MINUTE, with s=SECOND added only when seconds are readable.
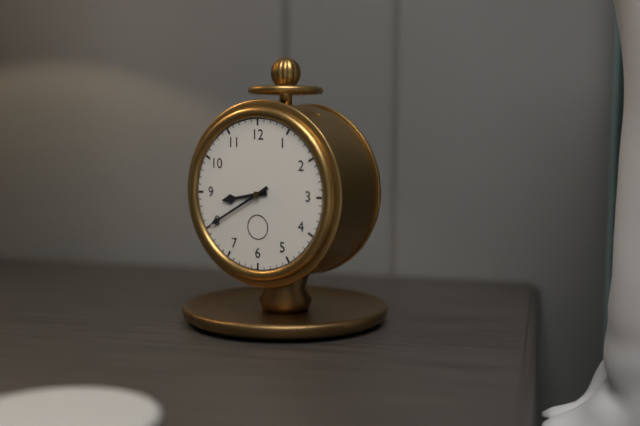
h=8 m=40
